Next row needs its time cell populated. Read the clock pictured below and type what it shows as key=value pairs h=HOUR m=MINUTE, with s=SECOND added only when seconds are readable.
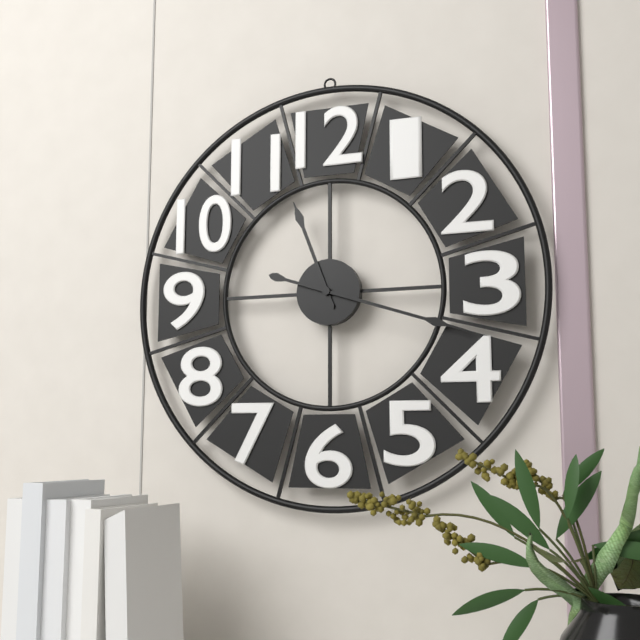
h=11 m=18
